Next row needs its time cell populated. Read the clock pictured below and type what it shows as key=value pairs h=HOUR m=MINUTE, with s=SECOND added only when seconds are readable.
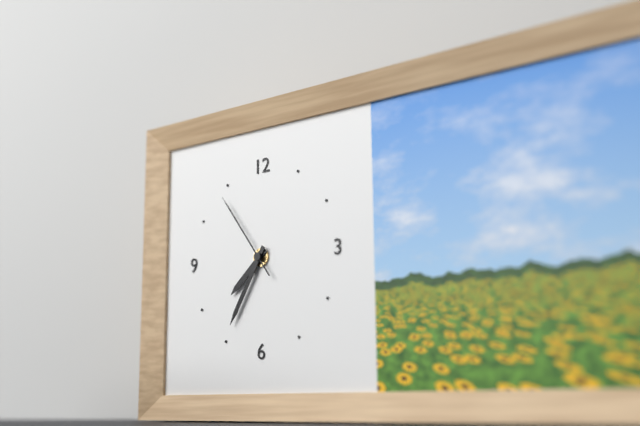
h=7 m=35 s=54
